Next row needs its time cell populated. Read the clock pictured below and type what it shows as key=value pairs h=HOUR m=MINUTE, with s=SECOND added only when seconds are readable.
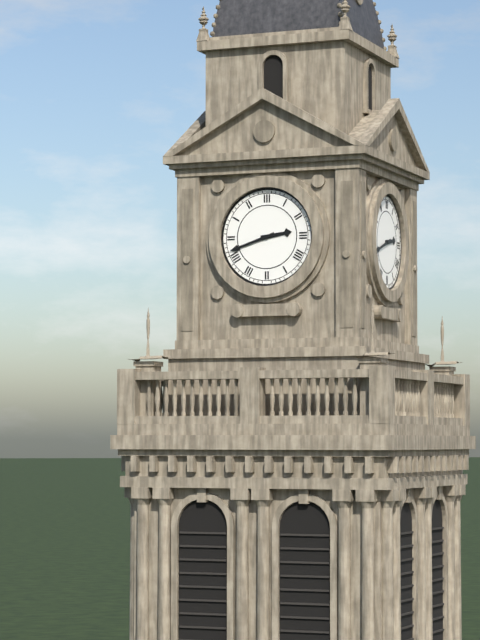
h=2 m=42
